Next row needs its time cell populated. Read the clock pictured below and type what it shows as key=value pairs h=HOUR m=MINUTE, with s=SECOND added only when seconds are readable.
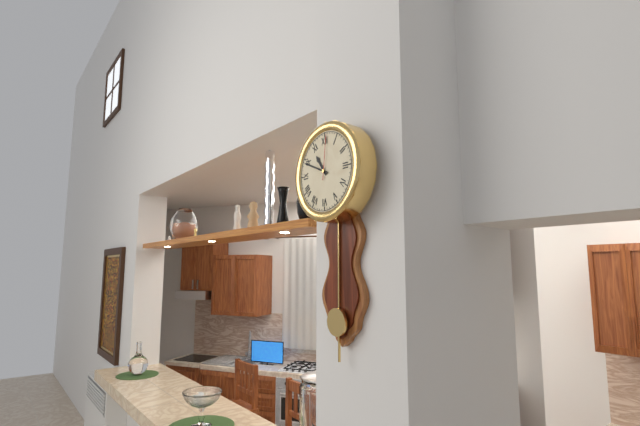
h=10 m=49
